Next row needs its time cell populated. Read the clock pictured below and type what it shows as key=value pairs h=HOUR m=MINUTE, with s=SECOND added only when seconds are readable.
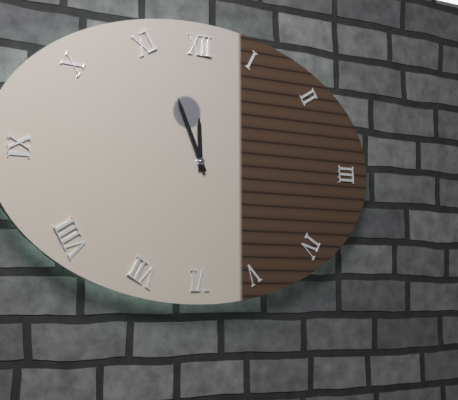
h=11 m=56
